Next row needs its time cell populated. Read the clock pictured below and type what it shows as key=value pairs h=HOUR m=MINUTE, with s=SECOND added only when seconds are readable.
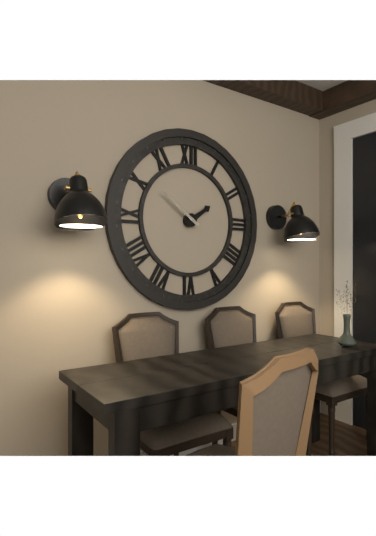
h=1 m=51
